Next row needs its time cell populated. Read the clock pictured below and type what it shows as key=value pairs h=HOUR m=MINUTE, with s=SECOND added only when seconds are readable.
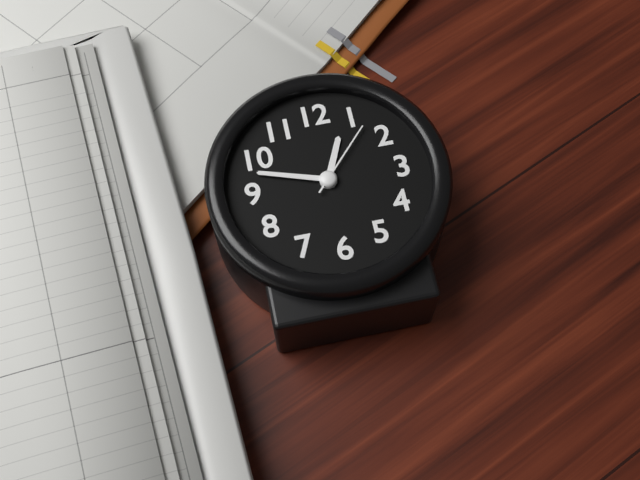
h=12 m=48 s=7
